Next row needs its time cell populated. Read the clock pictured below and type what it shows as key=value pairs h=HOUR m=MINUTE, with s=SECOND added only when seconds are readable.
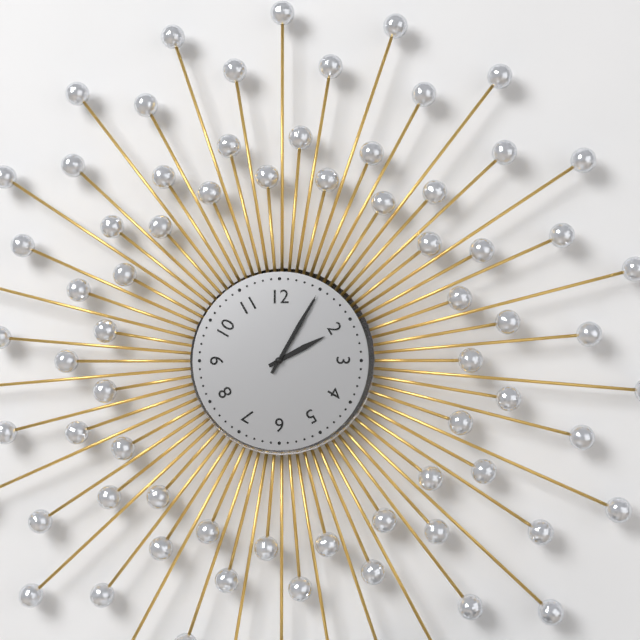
h=2 m=5
